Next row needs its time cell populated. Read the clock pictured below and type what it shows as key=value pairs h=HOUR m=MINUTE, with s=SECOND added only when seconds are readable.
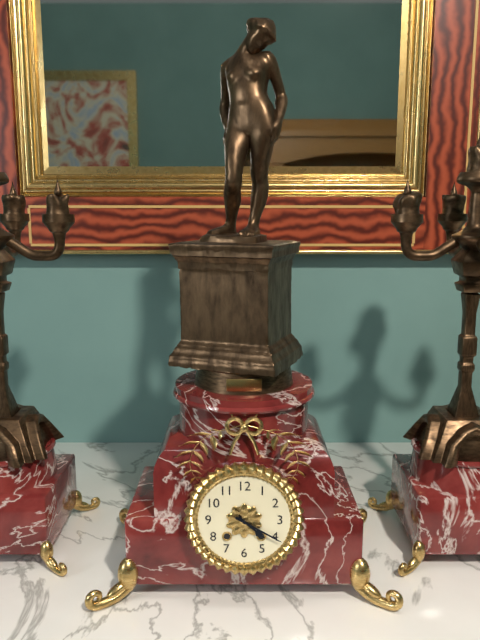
h=4 m=20
